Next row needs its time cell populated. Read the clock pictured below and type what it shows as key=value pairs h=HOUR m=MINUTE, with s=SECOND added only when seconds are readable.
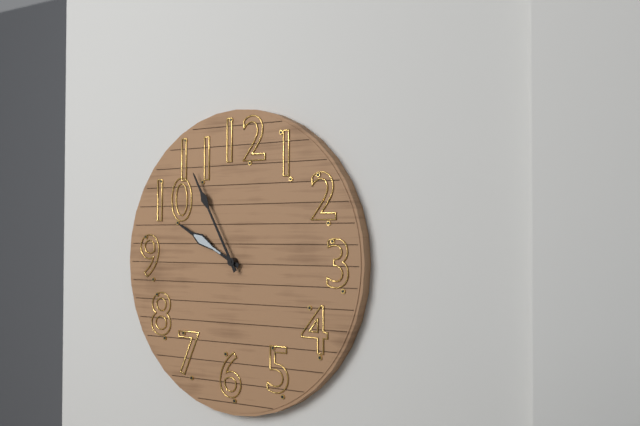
h=9 m=55
